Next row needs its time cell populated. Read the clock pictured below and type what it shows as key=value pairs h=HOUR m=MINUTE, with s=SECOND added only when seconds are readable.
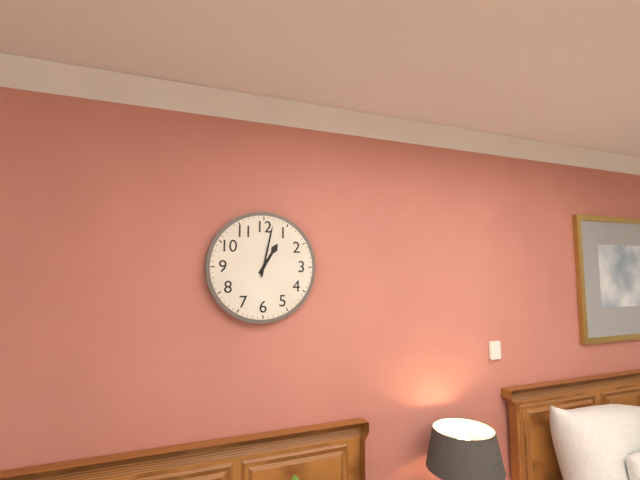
h=1 m=2
